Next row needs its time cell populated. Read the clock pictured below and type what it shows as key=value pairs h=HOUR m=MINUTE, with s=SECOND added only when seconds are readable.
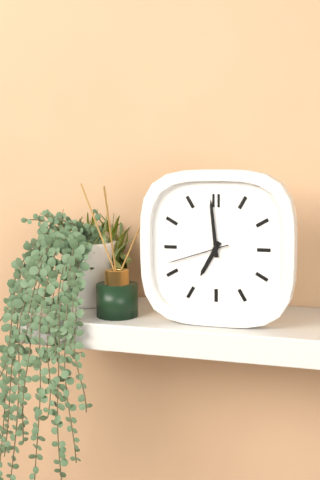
h=6 m=59 s=42
